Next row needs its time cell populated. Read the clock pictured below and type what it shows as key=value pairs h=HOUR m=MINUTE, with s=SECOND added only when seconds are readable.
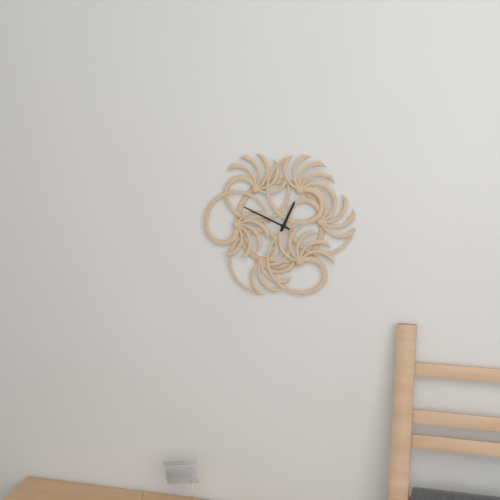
h=12 m=49
